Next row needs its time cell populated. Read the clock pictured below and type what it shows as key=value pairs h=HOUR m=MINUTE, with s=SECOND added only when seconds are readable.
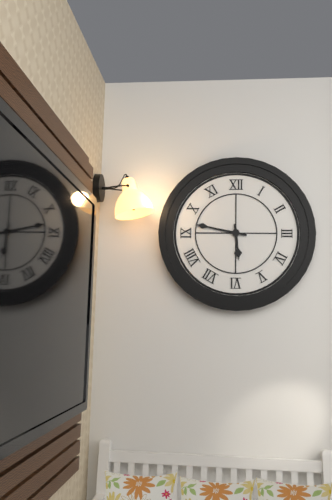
h=5 m=47
